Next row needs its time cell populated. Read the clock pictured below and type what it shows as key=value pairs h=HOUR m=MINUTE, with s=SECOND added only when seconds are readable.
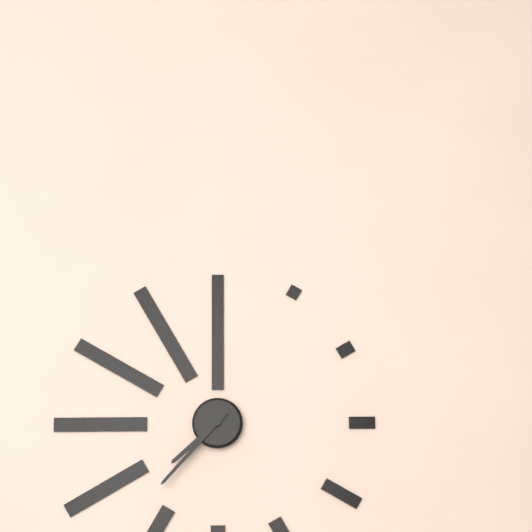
h=7 m=37
